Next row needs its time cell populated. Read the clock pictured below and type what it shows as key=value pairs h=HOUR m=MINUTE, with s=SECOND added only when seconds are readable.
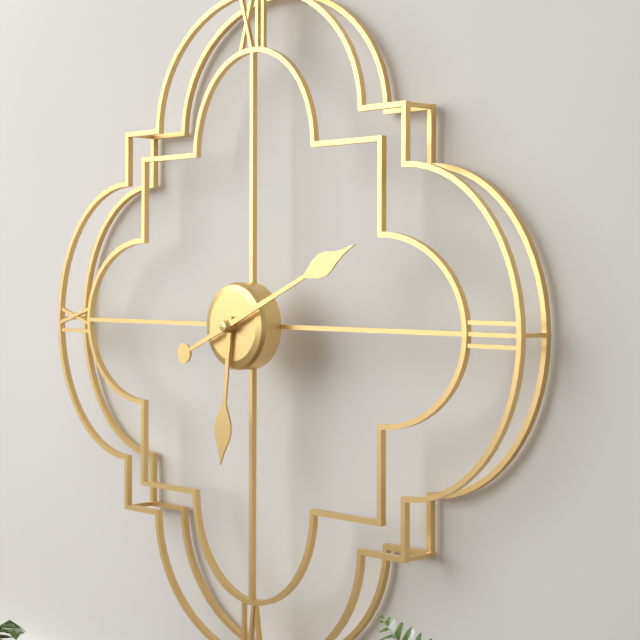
h=6 m=11
